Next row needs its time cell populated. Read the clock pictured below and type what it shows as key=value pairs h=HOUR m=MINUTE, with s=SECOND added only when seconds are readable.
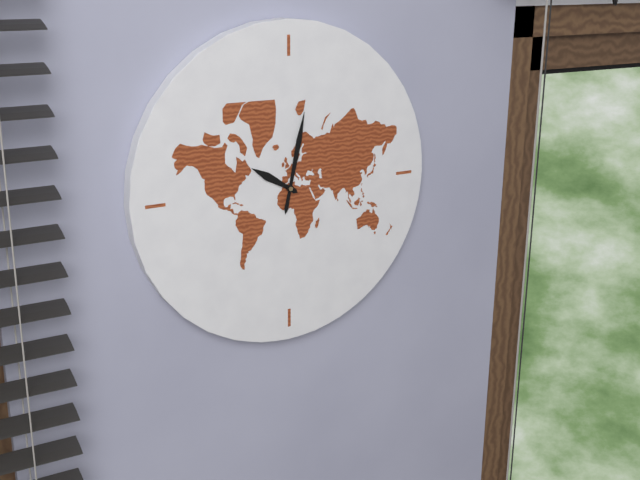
h=10 m=2
